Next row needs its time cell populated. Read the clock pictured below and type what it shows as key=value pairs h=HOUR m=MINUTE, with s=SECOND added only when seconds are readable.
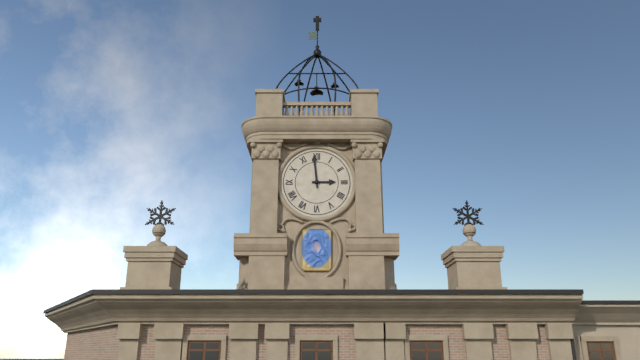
h=2 m=59
